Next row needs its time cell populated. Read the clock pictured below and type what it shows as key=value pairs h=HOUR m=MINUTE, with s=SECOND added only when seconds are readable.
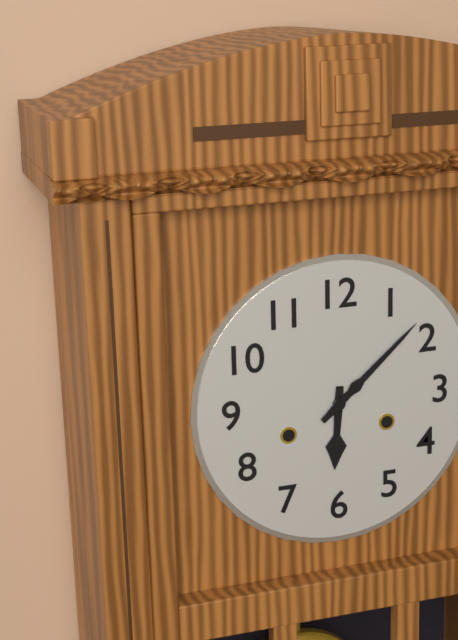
h=6 m=8
